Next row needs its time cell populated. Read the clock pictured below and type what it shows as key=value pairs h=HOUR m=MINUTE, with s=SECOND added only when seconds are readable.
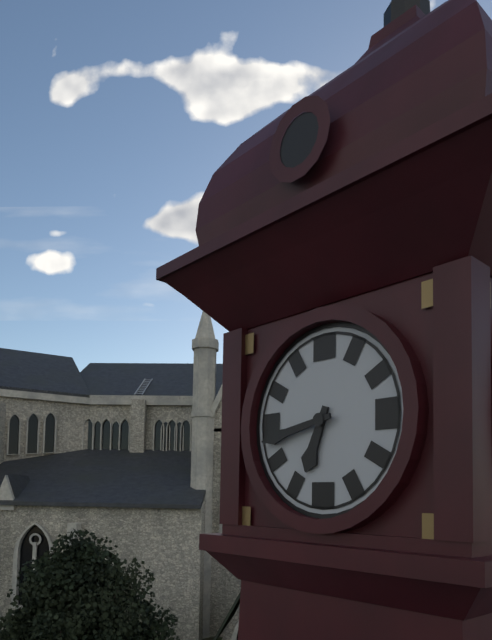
h=6 m=43
